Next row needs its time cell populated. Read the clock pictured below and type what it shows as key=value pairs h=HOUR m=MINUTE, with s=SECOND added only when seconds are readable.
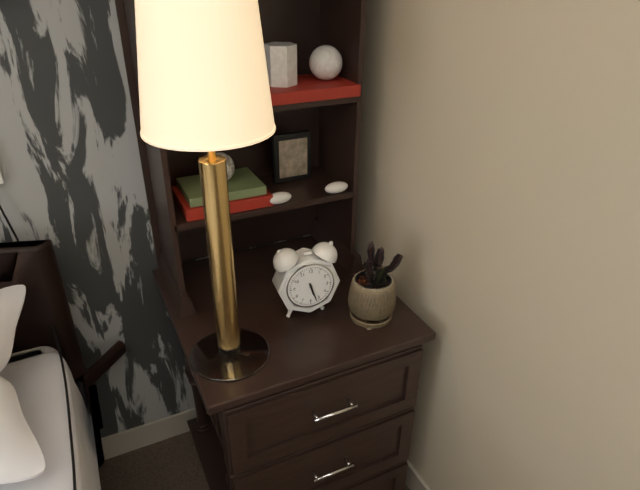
h=5 m=27
